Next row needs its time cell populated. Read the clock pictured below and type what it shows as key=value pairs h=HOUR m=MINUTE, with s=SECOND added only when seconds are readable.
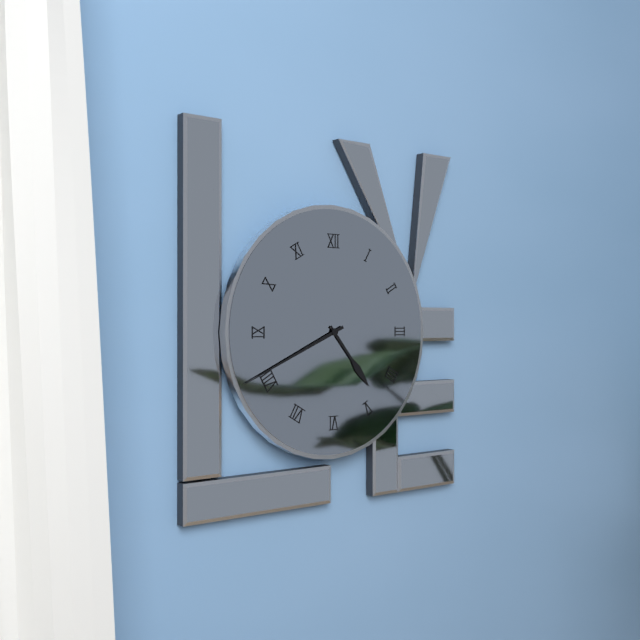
h=4 m=41
